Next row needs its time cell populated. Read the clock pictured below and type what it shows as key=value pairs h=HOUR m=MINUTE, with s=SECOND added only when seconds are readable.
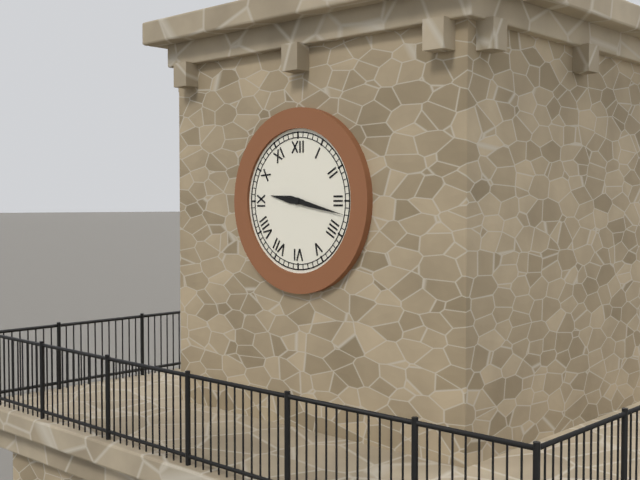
h=9 m=17
